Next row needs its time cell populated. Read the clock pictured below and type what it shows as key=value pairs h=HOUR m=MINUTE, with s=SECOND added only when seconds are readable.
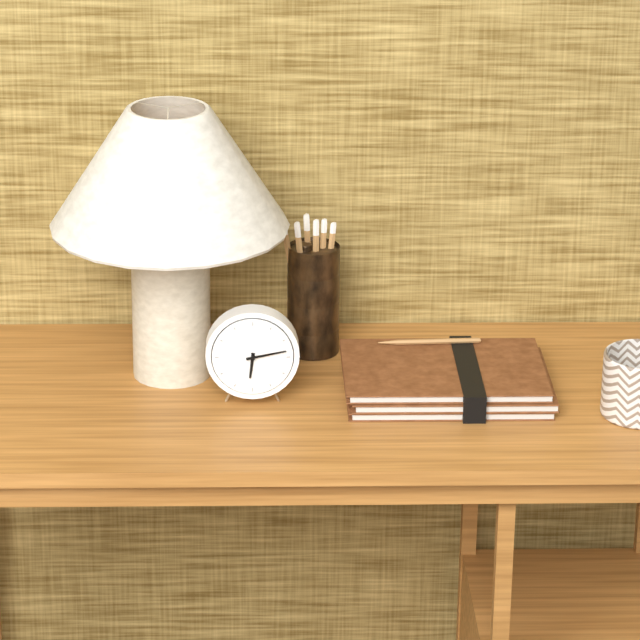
h=6 m=13
